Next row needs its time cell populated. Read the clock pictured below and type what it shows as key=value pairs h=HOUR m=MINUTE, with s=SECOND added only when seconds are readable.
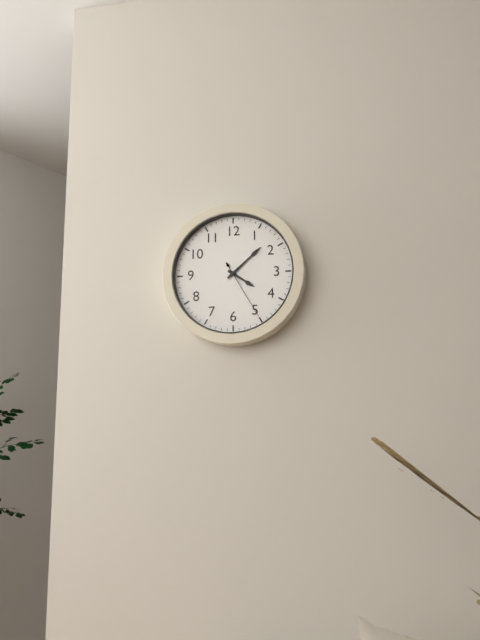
h=4 m=8 s=25
